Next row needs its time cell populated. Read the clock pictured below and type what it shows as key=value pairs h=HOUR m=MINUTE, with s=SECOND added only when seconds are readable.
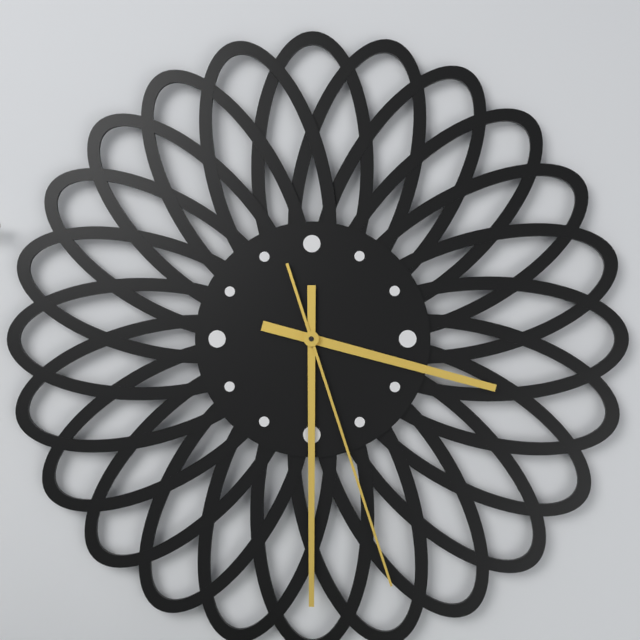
h=3 m=30 s=27
